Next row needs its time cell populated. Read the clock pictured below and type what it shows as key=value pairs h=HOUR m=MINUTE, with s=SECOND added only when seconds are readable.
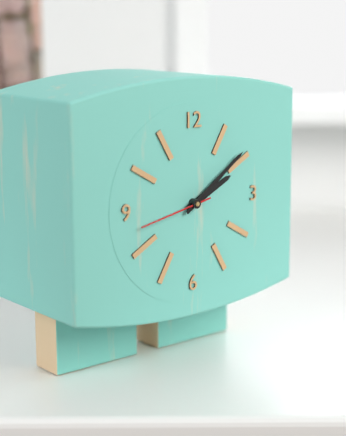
h=2 m=9 s=43
